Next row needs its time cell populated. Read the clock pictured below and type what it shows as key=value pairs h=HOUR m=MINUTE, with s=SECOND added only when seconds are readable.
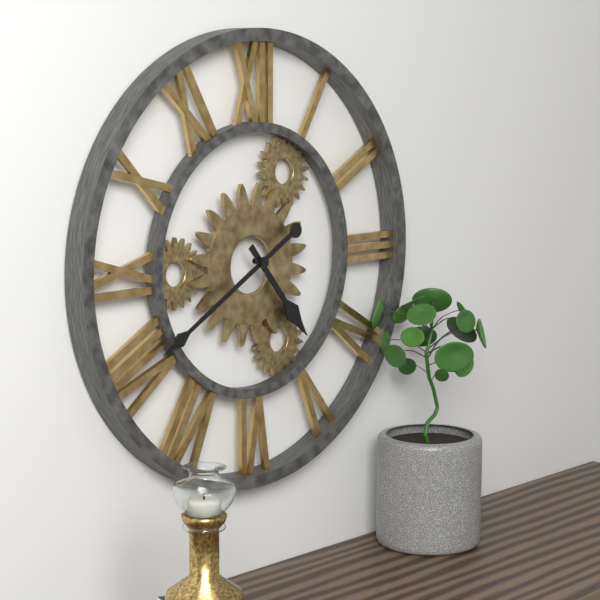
h=4 m=40
